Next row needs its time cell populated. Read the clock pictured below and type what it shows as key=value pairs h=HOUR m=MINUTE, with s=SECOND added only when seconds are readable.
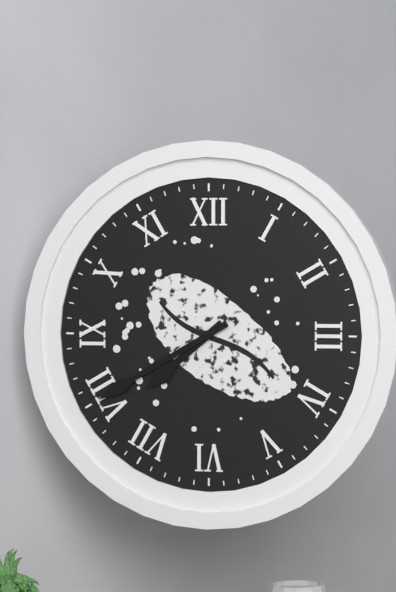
h=7 m=40
